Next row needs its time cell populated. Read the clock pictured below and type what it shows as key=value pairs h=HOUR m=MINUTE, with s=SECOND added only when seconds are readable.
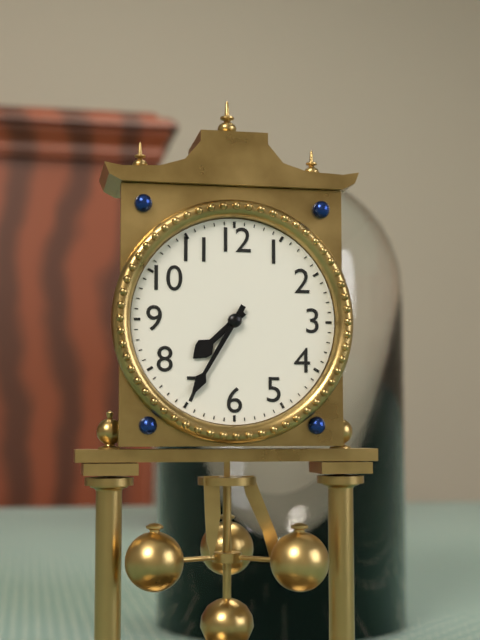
h=7 m=35
